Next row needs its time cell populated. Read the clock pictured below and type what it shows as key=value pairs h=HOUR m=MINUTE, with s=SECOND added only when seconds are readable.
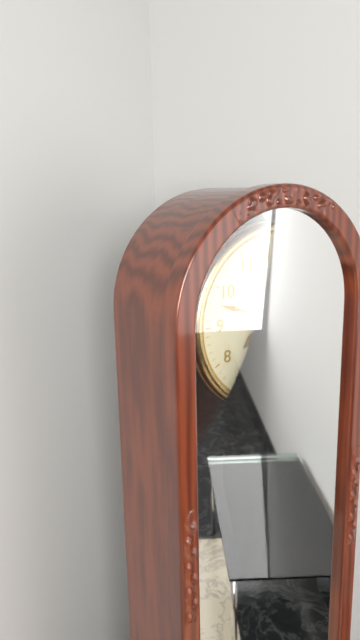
h=7 m=48
